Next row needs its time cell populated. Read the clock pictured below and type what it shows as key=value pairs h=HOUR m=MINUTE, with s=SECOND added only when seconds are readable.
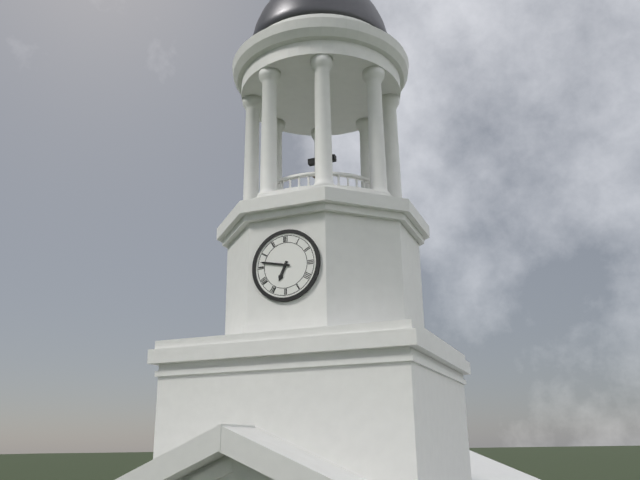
h=6 m=47
